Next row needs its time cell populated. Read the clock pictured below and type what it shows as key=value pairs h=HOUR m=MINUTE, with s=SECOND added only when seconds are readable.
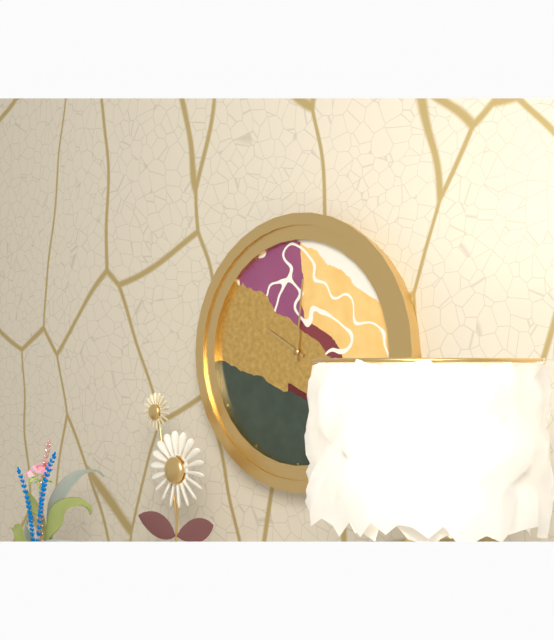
h=10 m=1
